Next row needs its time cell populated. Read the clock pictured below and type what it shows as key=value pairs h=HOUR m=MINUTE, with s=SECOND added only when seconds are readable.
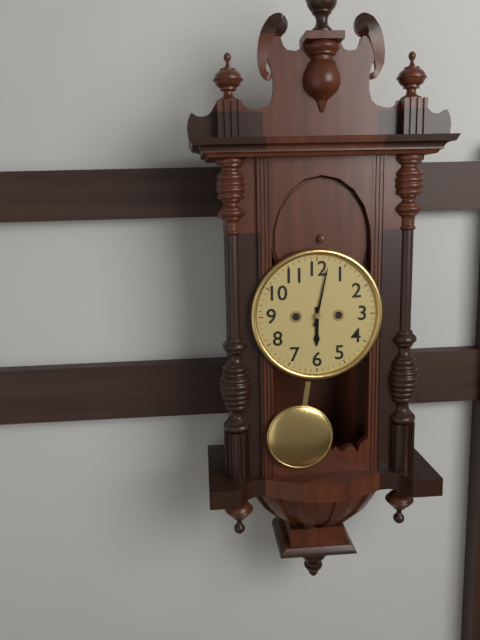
h=6 m=2
